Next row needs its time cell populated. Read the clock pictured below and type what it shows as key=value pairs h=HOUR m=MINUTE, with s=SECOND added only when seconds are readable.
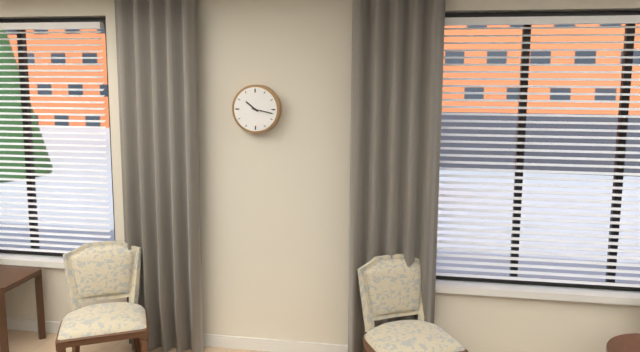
h=10 m=17
